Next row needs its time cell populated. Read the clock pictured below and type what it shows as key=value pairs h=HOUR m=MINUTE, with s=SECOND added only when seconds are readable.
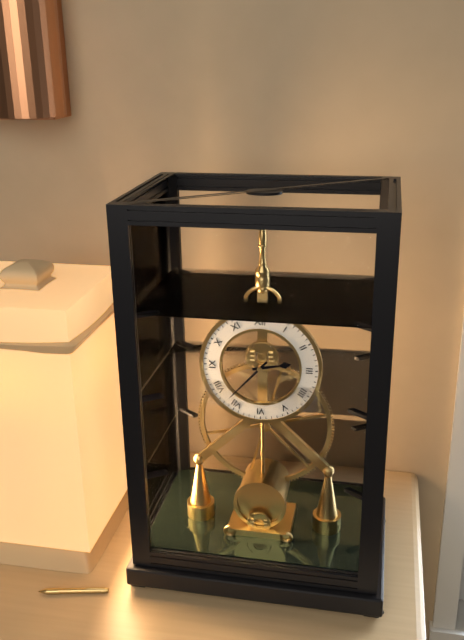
h=2 m=37
